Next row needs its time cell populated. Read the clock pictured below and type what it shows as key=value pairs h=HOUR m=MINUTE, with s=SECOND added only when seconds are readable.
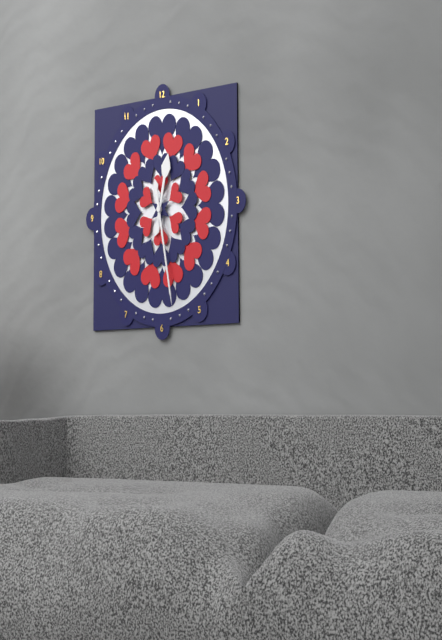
h=12 m=28
